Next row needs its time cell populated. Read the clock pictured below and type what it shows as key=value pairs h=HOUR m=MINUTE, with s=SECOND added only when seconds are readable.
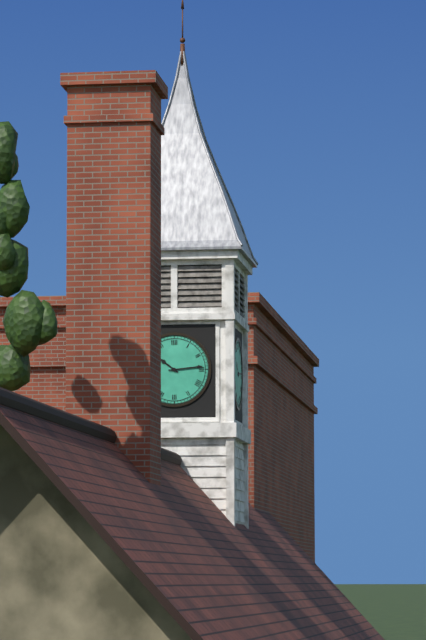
h=10 m=14
